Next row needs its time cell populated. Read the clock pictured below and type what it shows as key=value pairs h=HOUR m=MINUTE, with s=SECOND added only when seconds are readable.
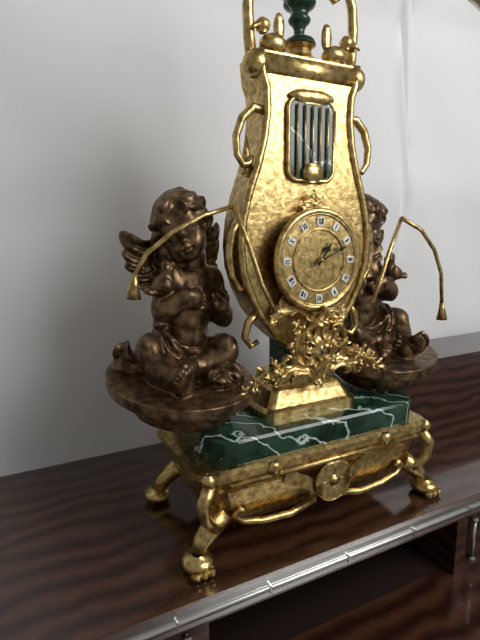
h=1 m=11
